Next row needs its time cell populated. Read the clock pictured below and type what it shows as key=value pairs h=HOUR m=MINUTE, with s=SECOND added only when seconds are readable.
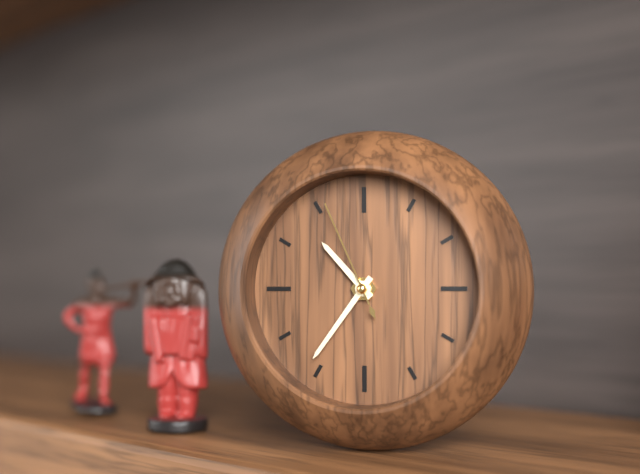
h=10 m=36 s=56
